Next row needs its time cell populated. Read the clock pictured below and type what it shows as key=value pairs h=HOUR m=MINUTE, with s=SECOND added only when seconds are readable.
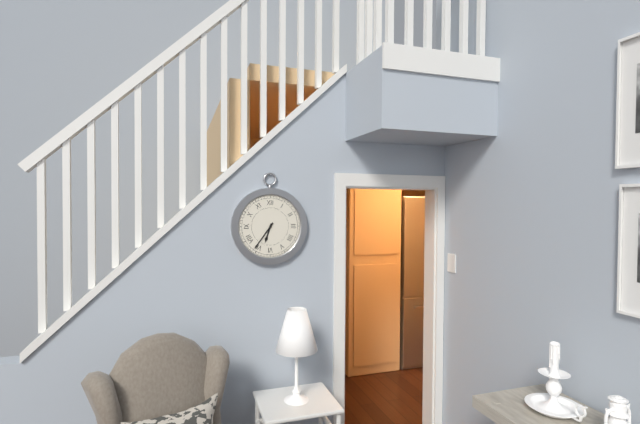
h=6 m=36
